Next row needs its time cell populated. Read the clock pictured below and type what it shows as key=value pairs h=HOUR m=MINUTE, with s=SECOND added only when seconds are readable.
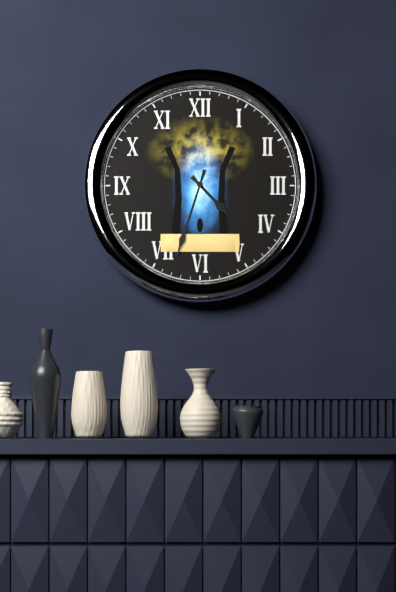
h=4 m=33
